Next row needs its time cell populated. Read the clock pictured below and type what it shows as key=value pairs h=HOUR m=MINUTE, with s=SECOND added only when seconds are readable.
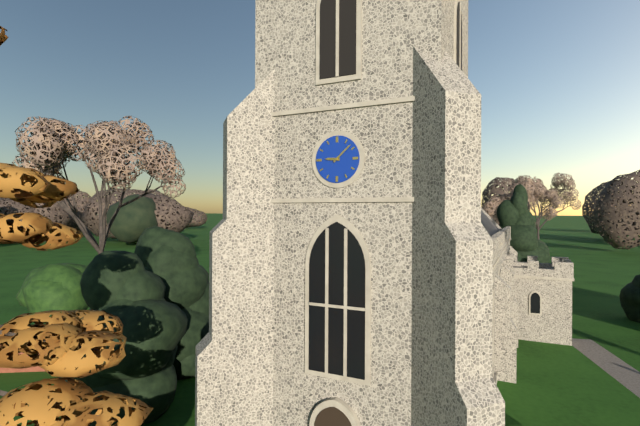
h=9 m=8
